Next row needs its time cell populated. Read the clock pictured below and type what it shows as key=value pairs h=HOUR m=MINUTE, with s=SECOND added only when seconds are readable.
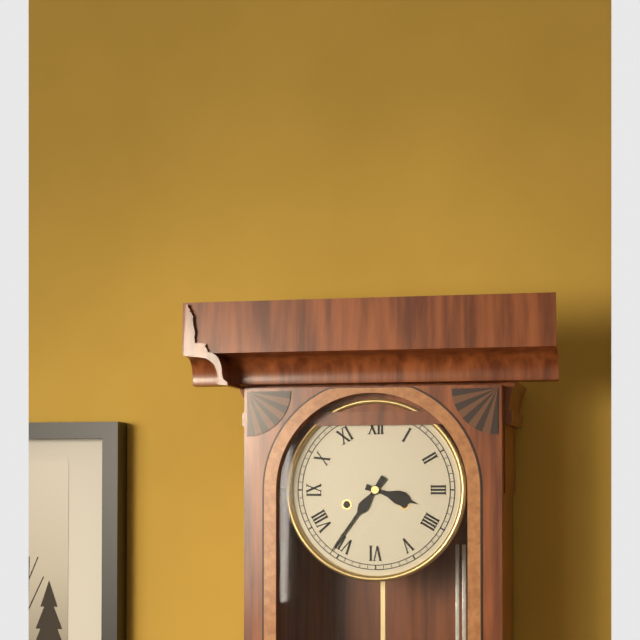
h=3 m=36
